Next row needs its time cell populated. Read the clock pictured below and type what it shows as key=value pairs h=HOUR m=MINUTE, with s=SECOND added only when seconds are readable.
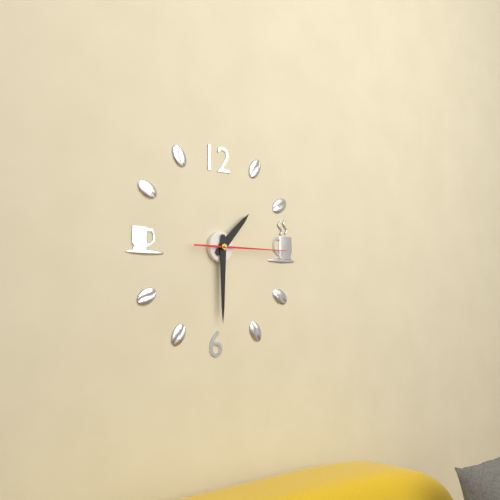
h=1 m=30 s=15
